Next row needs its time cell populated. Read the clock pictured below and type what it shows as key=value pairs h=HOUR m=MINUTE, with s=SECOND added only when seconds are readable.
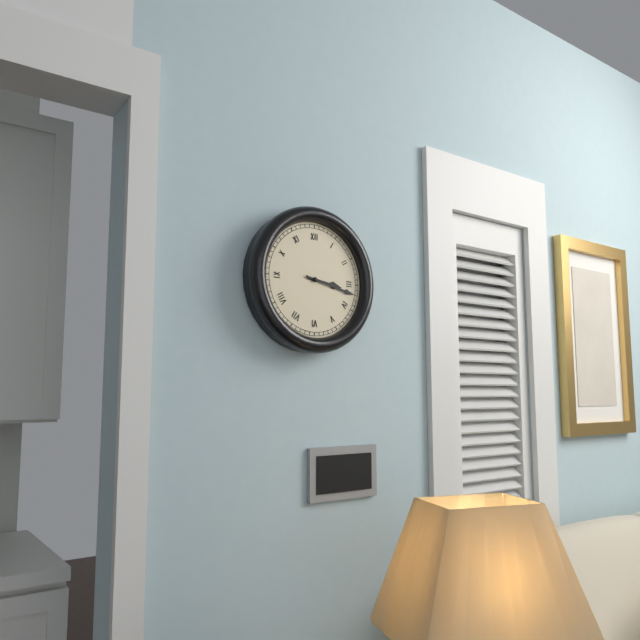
h=3 m=17
